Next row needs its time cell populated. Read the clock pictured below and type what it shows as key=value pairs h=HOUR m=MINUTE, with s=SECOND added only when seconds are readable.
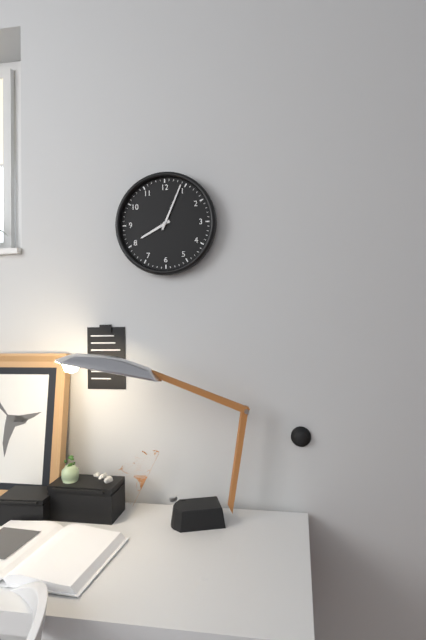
h=8 m=4
